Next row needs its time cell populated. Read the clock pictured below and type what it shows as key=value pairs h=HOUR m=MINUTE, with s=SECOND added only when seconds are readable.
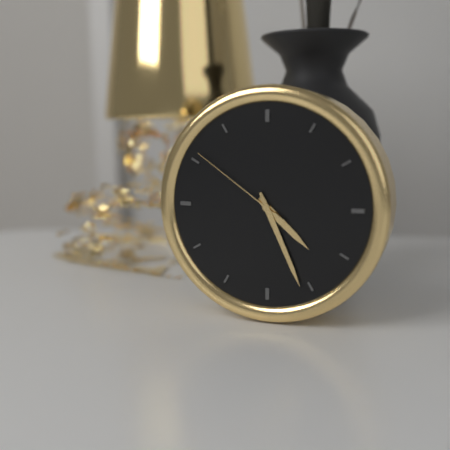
h=4 m=26 s=51
